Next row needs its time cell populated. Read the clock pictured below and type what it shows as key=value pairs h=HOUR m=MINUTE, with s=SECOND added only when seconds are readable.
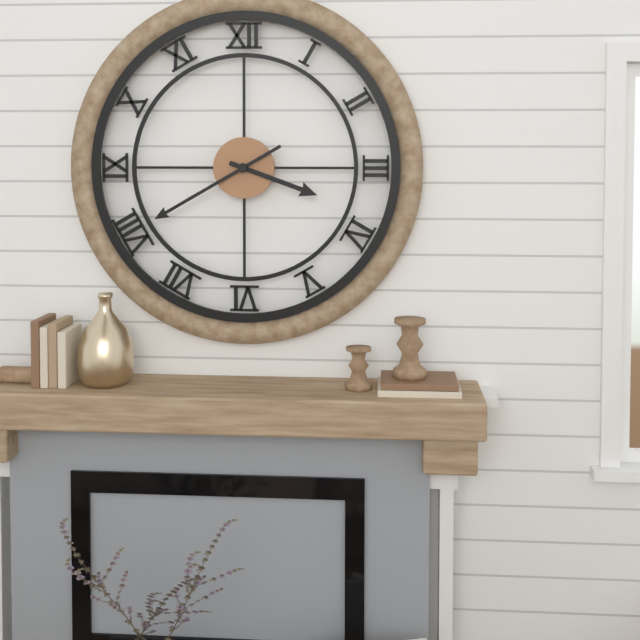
h=3 m=40
